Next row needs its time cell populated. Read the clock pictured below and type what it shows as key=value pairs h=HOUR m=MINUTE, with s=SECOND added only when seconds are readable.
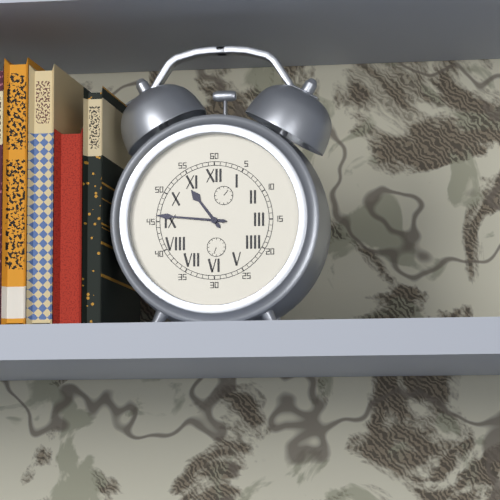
h=10 m=46
